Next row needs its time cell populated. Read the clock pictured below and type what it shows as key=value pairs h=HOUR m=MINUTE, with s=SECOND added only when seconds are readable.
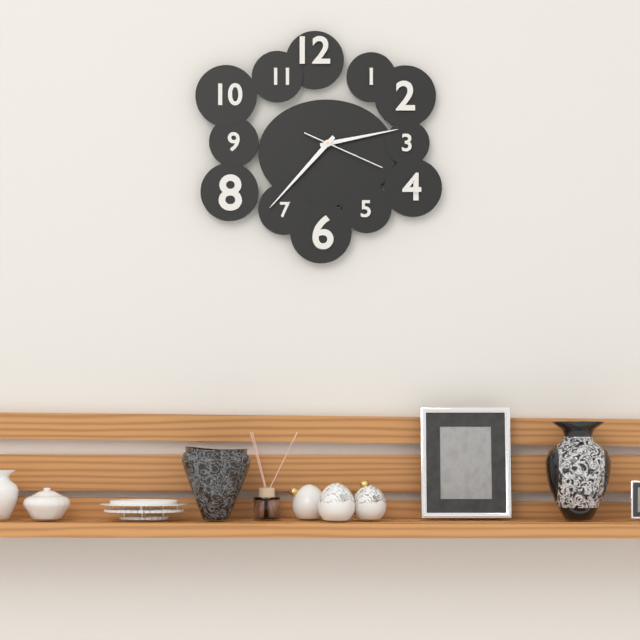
h=2 m=37 s=19
